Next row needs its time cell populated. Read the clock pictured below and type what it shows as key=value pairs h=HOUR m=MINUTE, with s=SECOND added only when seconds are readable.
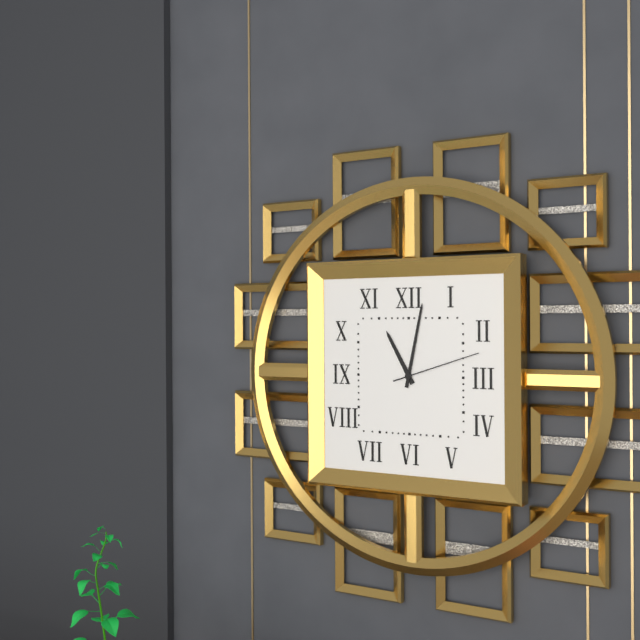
h=11 m=2 s=12
